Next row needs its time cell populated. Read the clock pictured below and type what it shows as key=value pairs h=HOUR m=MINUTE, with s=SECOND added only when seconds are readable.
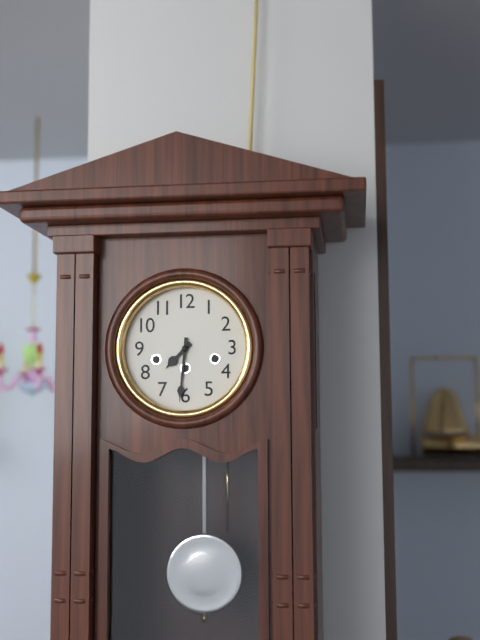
h=7 m=31
